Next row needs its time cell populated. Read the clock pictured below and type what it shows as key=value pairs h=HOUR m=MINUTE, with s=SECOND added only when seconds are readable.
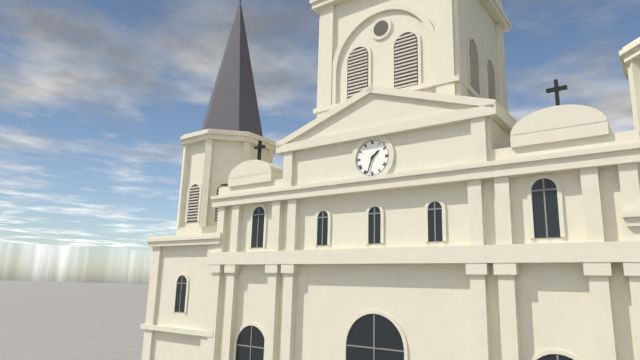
h=1 m=33
